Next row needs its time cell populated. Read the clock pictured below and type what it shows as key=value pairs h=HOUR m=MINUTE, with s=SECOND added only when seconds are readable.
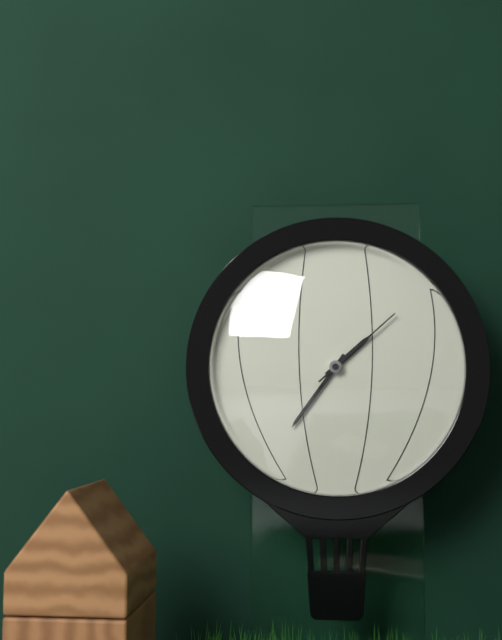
h=1 m=36 s=8
